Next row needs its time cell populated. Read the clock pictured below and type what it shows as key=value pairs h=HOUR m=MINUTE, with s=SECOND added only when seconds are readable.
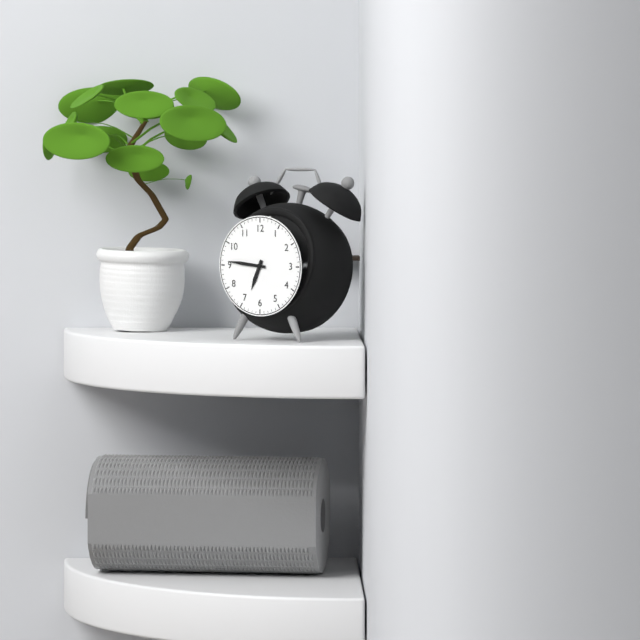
h=6 m=46
